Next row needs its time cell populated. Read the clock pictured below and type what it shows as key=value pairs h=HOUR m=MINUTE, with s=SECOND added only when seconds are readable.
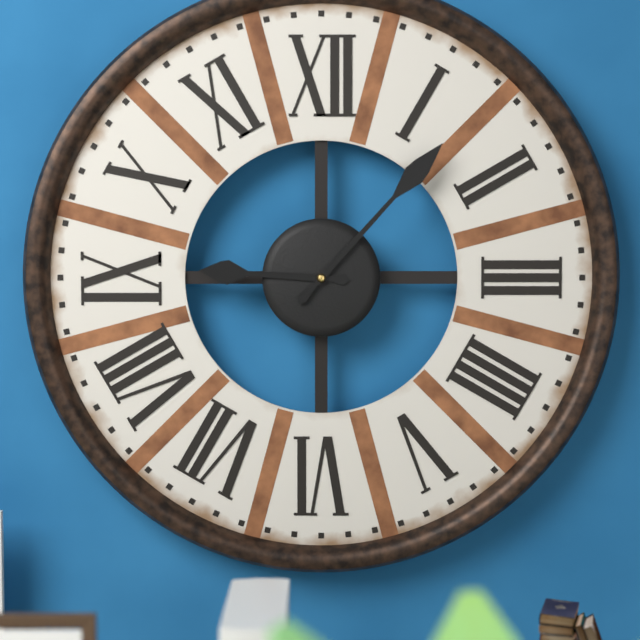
h=9 m=7
